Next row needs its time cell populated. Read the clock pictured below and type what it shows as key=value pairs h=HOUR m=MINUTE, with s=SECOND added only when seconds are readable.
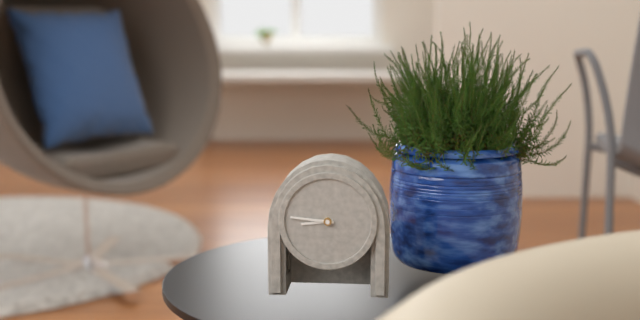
h=8 m=46
